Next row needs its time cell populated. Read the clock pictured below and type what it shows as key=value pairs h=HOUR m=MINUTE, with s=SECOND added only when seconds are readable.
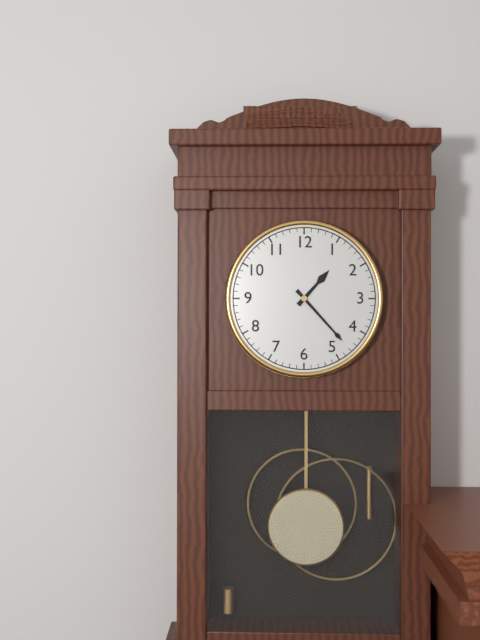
h=1 m=23
